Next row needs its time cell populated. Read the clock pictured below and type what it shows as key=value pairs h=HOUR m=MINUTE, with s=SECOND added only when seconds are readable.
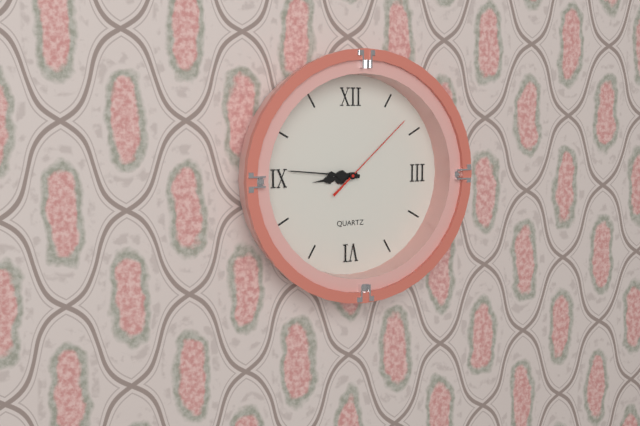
h=8 m=46 s=8
